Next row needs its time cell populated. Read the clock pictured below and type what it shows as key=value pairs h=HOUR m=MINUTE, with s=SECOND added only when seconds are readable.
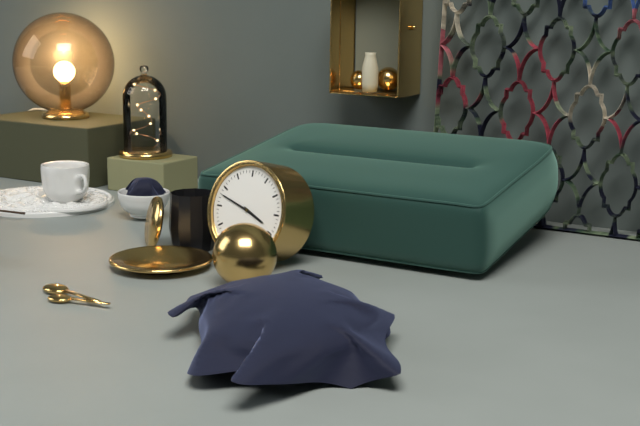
h=3 m=48
